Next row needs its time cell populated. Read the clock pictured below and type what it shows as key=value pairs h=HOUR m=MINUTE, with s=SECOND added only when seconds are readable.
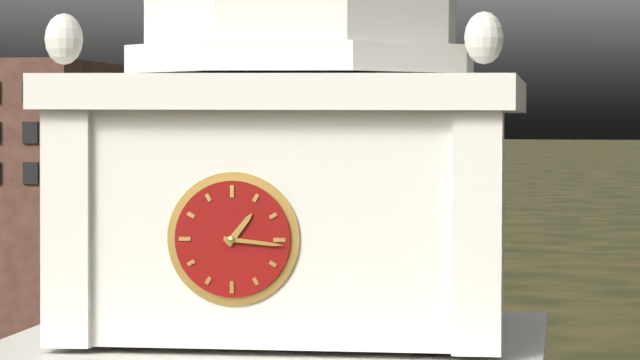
h=1 m=16
